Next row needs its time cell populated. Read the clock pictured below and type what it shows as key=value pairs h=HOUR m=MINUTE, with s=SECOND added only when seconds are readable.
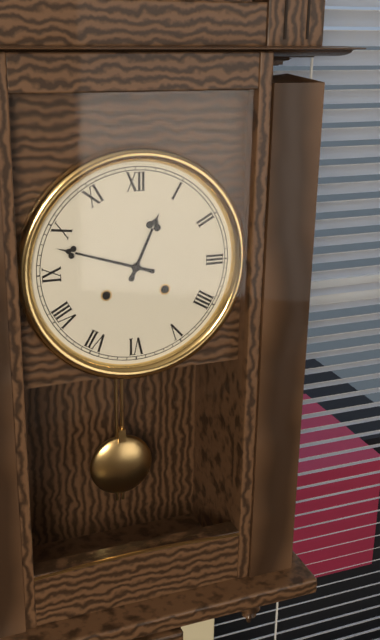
h=12 m=48
